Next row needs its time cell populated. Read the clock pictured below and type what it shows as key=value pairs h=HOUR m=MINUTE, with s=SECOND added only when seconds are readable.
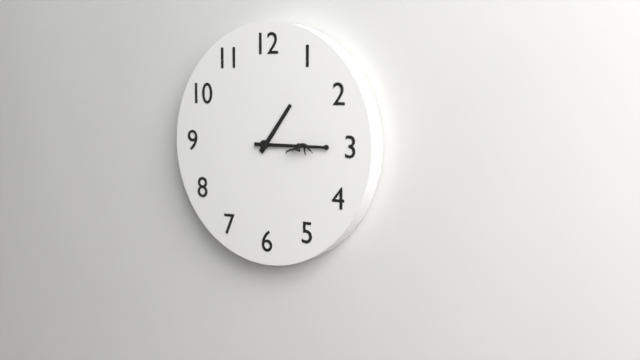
h=1 m=15
